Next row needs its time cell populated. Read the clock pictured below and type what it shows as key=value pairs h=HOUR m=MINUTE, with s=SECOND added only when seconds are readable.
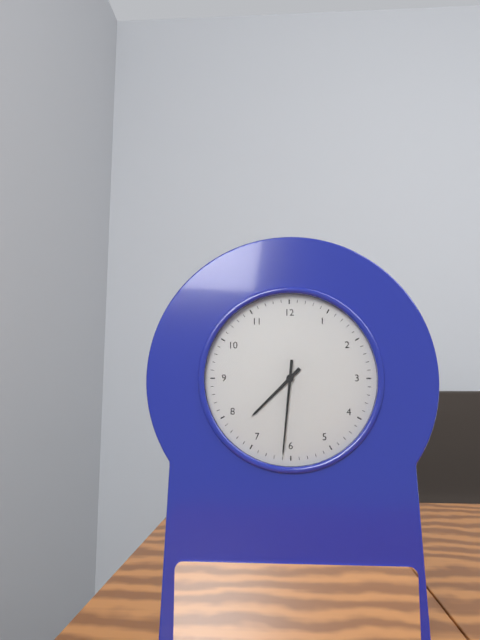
h=7 m=31
